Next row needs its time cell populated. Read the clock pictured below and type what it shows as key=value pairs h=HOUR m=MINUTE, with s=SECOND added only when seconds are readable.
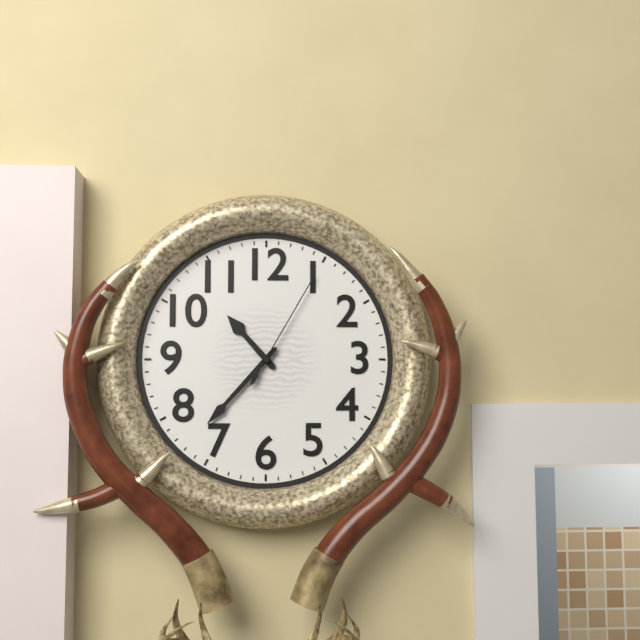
h=10 m=37 s=5
